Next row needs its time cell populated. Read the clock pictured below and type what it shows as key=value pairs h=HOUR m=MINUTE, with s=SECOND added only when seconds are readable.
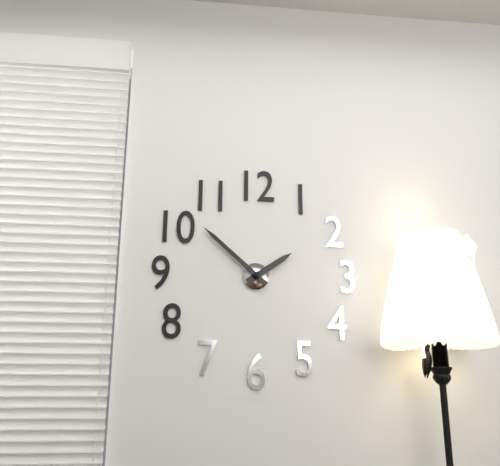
h=1 m=52
